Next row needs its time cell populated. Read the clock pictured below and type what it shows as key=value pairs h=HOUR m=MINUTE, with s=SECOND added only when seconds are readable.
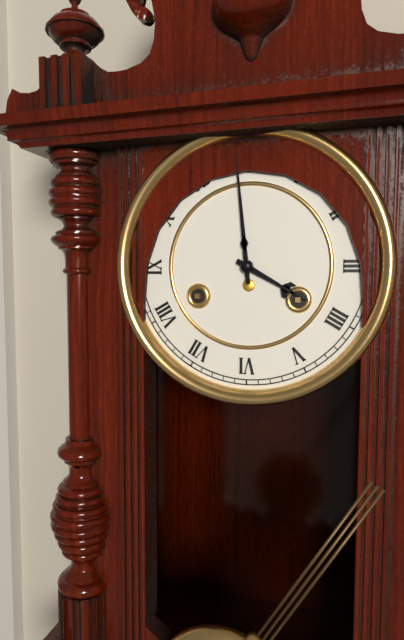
h=3 m=59
